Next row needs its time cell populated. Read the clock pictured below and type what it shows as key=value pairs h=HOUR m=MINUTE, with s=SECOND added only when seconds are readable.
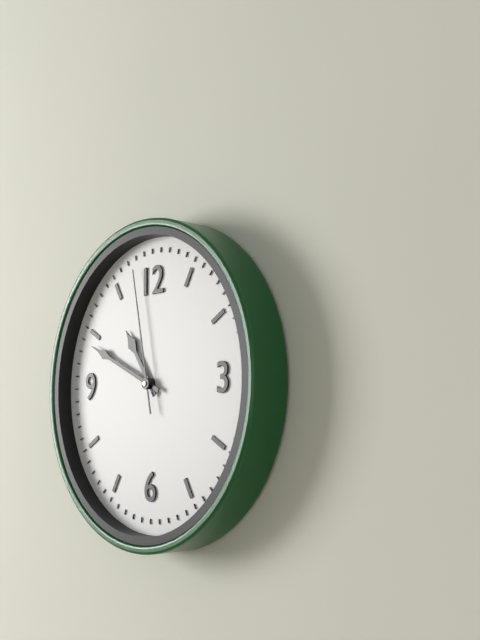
h=10 m=49 s=58
